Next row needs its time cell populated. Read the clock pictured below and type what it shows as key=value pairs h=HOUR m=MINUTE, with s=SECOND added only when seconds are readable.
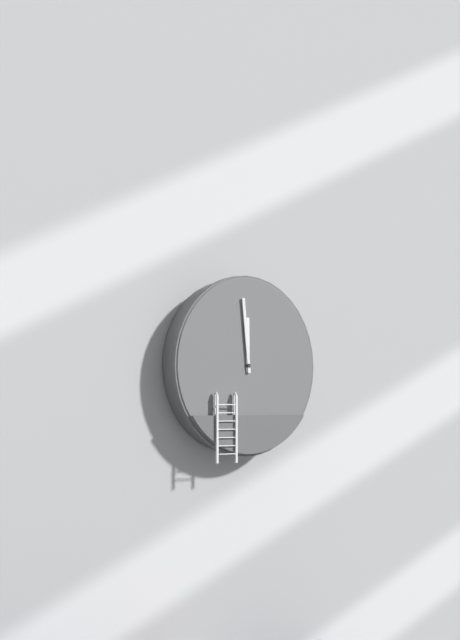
h=11 m=59
